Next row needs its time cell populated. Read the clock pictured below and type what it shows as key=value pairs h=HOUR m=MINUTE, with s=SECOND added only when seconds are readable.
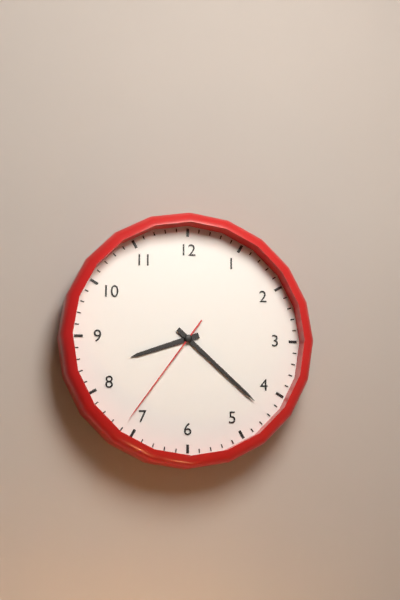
h=8 m=22 s=36
